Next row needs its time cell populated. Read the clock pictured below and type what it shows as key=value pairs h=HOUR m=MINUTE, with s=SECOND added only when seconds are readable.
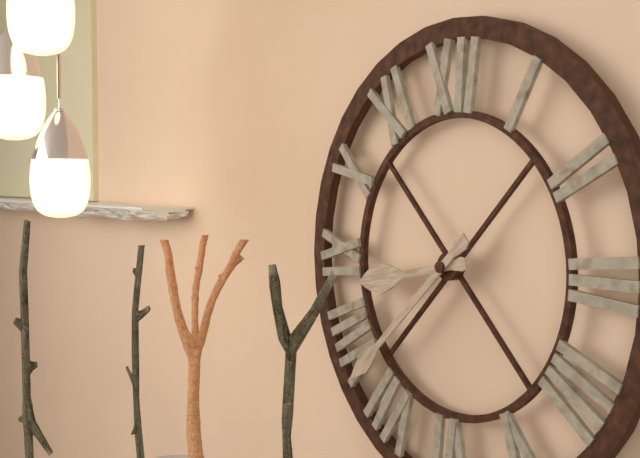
h=8 m=38
